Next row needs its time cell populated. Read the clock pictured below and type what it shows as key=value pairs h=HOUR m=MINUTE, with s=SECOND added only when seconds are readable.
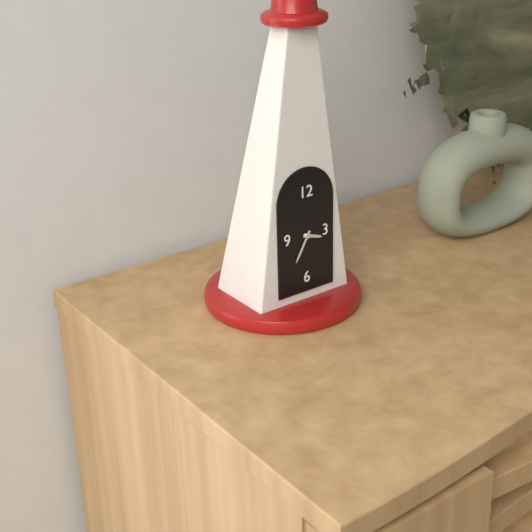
h=3 m=35
